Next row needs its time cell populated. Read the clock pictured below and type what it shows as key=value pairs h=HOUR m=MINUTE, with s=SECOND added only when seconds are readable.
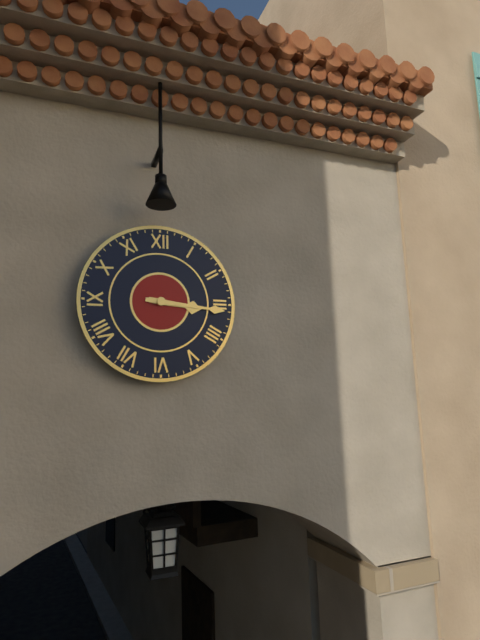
h=3 m=16
